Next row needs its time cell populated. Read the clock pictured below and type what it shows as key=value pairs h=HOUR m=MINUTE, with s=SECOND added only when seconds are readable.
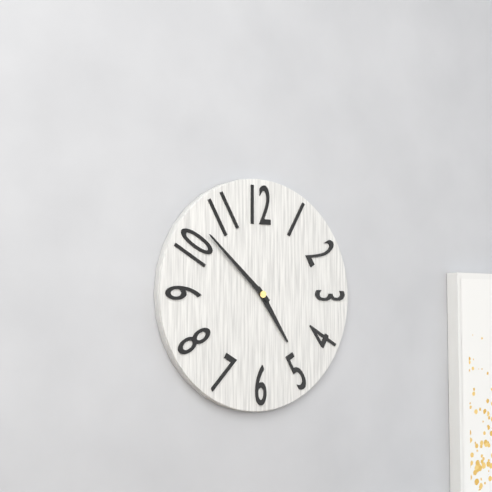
h=4 m=52
